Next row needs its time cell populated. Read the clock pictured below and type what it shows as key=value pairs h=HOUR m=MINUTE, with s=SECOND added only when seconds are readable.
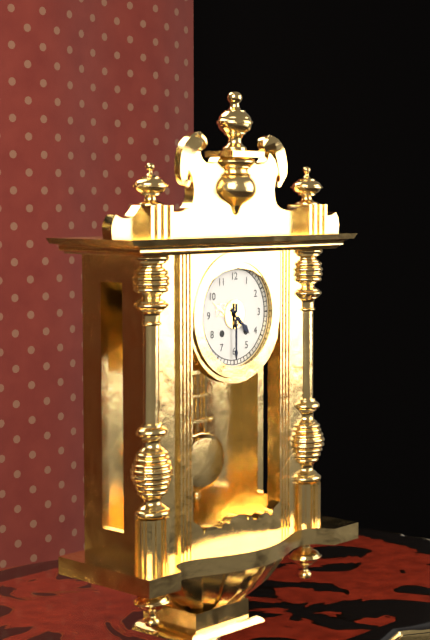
h=4 m=30
